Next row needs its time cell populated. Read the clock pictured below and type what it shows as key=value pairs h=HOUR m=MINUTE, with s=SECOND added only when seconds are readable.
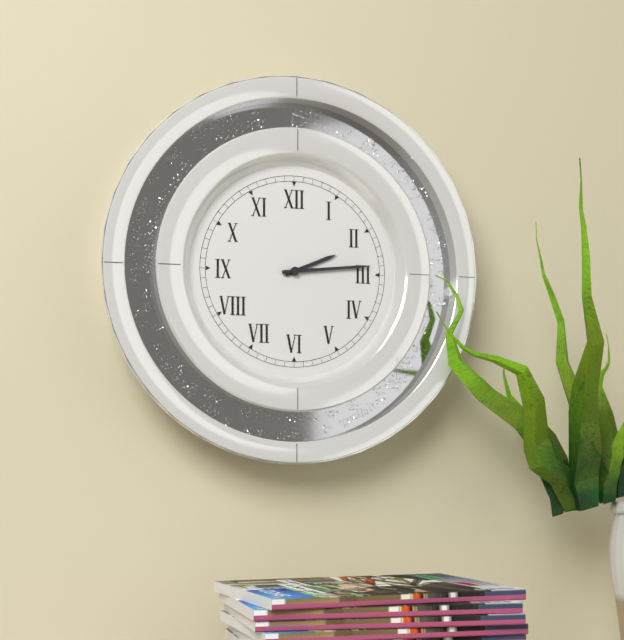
h=2 m=14
